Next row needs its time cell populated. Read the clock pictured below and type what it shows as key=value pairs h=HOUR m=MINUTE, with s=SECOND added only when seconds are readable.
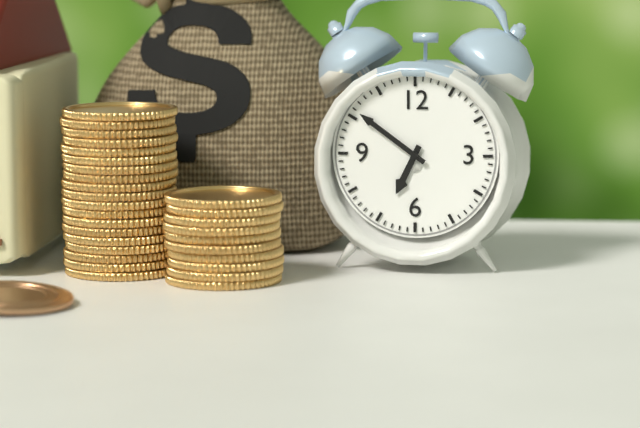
h=6 m=51
